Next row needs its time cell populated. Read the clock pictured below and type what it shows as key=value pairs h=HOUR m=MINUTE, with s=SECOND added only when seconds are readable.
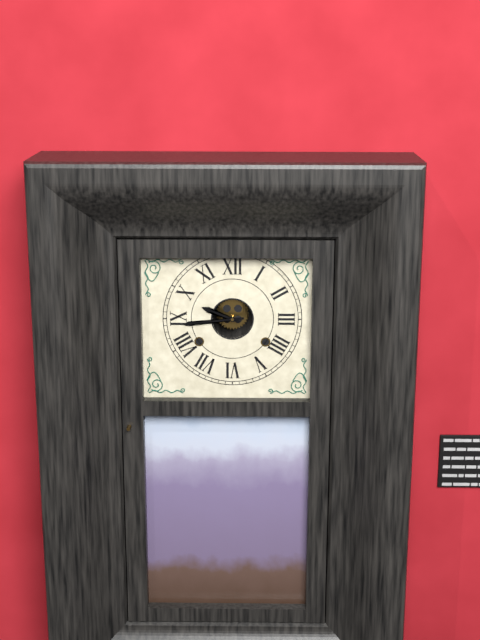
h=9 m=44
